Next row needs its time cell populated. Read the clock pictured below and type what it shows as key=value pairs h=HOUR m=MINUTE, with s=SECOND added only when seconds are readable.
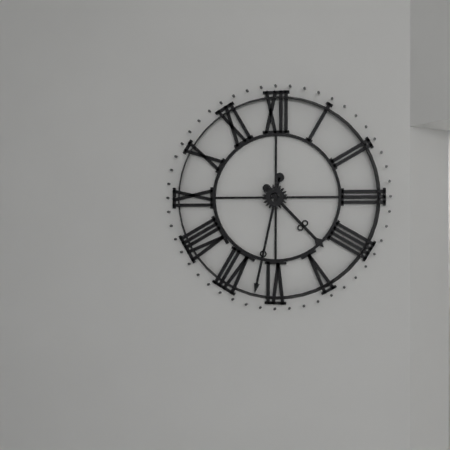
h=4 m=32
